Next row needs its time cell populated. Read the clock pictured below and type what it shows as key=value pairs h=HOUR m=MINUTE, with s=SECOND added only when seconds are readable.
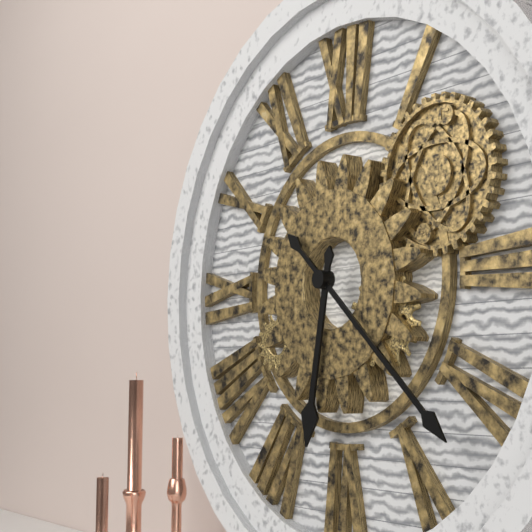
h=6 m=22
